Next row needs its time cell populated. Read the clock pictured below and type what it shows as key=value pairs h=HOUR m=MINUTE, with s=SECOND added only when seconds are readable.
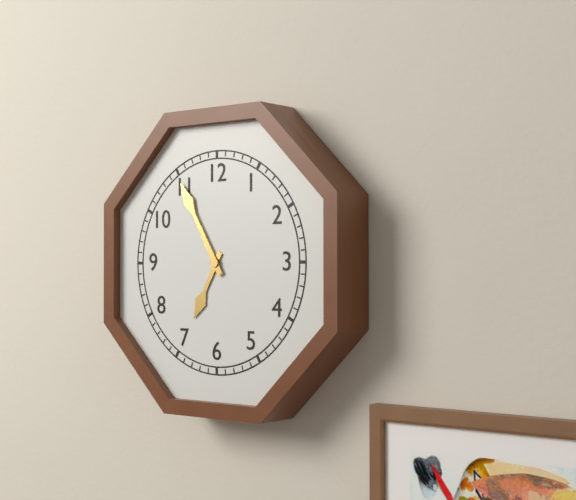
h=6 m=55
